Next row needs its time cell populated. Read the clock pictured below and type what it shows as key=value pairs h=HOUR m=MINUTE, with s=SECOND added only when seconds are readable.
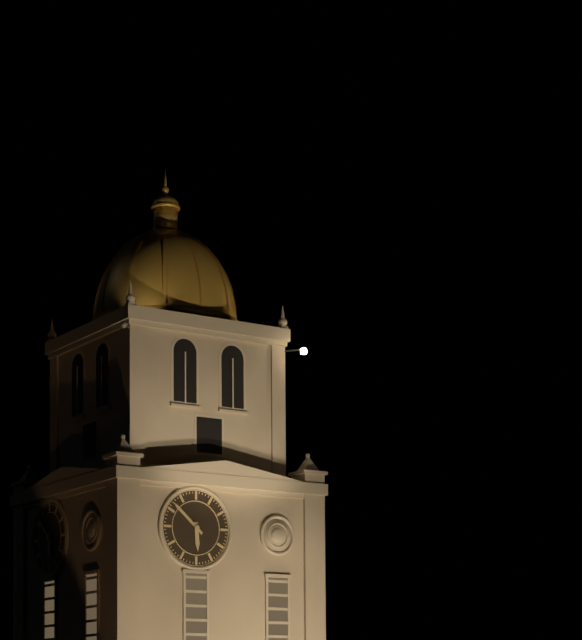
h=5 m=52
